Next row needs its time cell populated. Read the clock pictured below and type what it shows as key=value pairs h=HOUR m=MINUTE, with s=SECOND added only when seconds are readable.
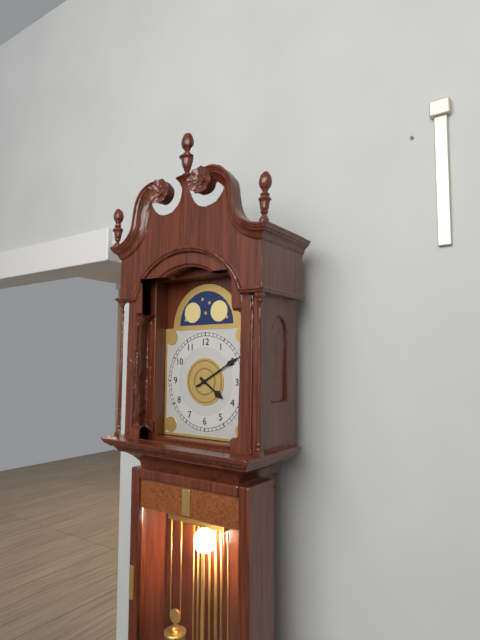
h=4 m=10
